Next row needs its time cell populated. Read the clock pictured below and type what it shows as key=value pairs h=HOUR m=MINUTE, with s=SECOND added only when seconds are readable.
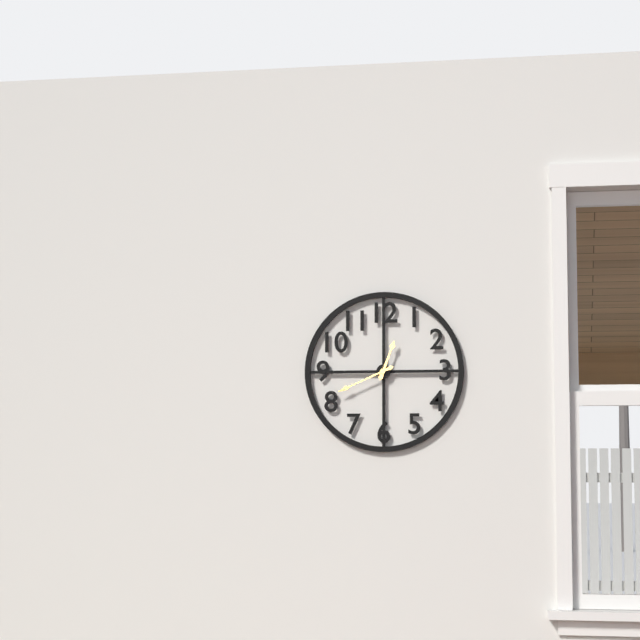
h=12 m=41
